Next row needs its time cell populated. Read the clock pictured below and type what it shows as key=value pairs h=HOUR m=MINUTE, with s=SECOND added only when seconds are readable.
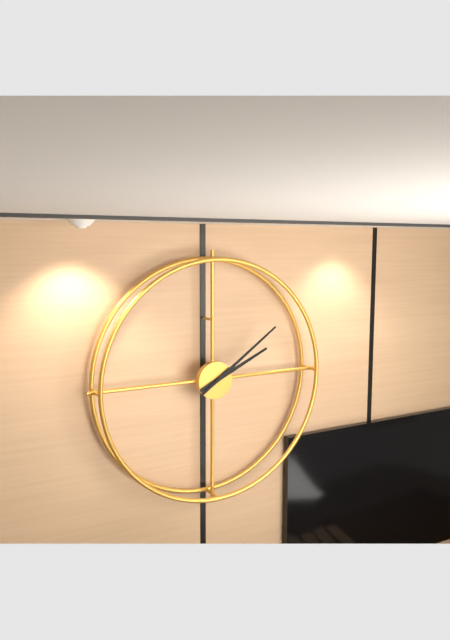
h=2 m=9
